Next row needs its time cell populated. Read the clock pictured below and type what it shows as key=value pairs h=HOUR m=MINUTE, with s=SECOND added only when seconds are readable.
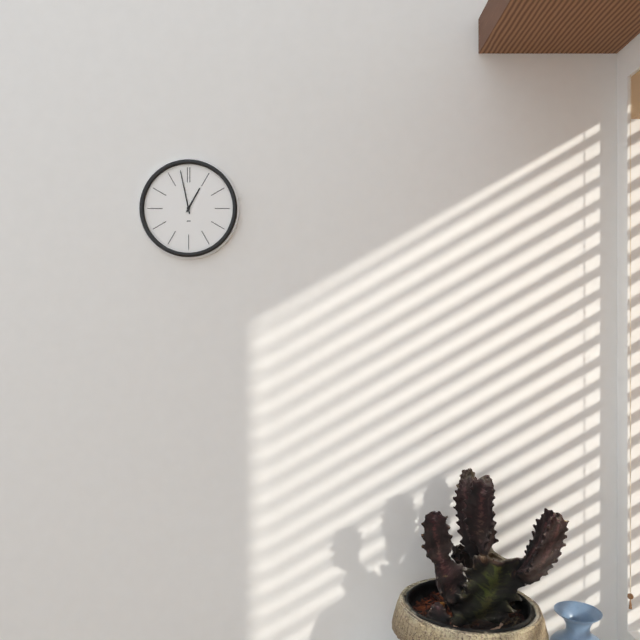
h=12 m=58
